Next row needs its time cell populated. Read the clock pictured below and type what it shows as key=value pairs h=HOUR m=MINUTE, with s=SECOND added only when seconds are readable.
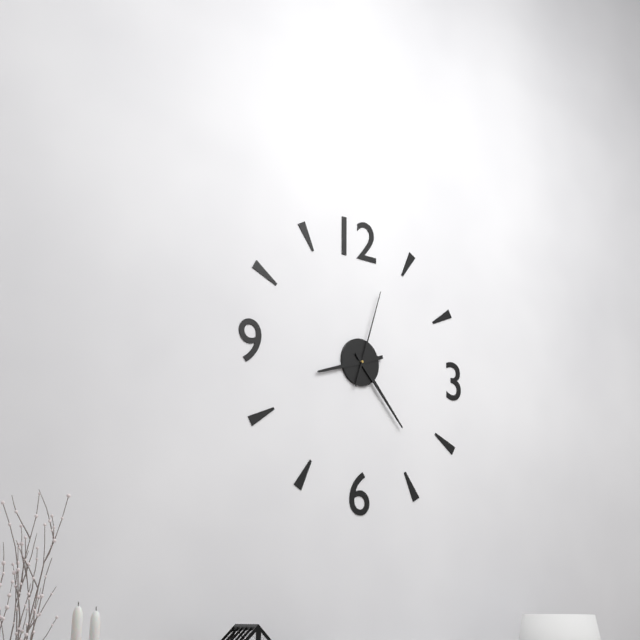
h=8 m=23 s=3
